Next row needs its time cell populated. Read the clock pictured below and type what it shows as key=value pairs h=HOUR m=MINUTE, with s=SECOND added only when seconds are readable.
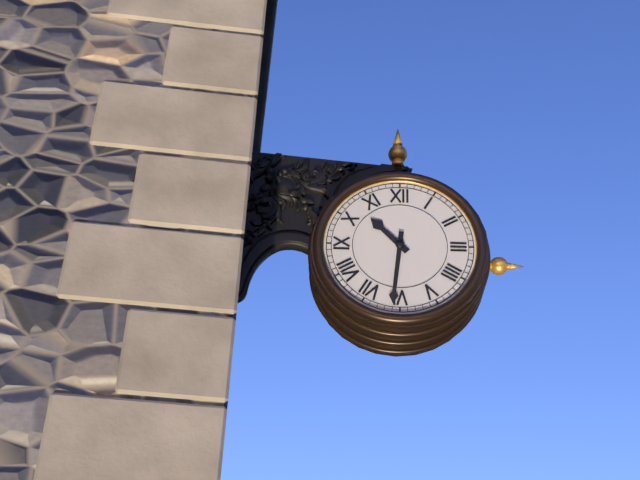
h=10 m=31
